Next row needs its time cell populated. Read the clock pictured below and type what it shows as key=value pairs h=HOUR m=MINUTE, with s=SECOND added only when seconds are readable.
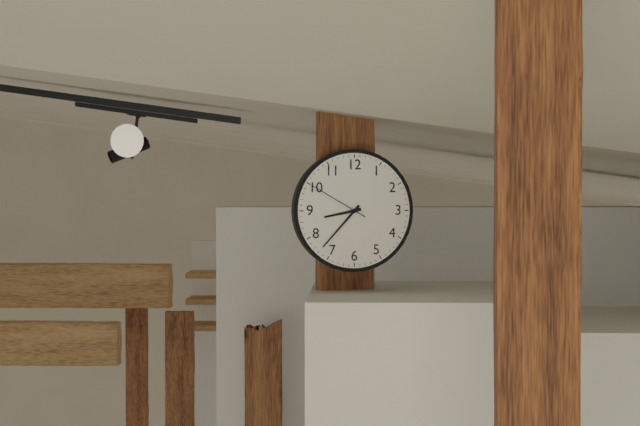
h=8 m=37 s=50
